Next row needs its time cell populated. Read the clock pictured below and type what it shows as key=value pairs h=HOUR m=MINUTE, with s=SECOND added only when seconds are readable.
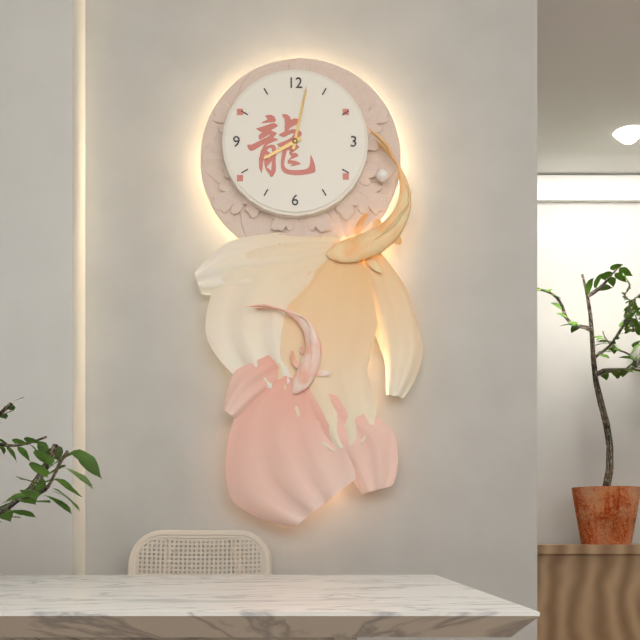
h=8 m=2
